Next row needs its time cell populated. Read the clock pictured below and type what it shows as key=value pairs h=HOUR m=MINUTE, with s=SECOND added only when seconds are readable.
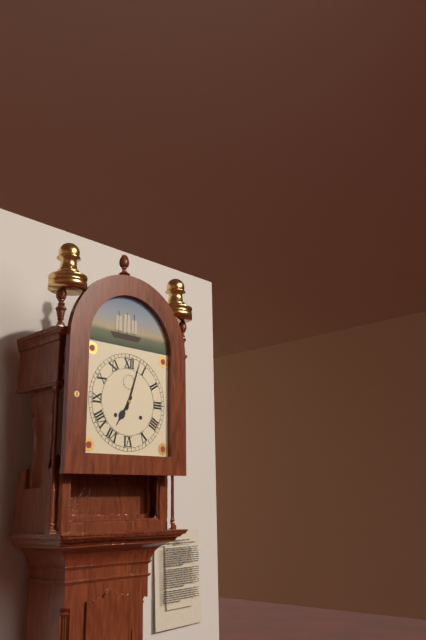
h=7 m=3
